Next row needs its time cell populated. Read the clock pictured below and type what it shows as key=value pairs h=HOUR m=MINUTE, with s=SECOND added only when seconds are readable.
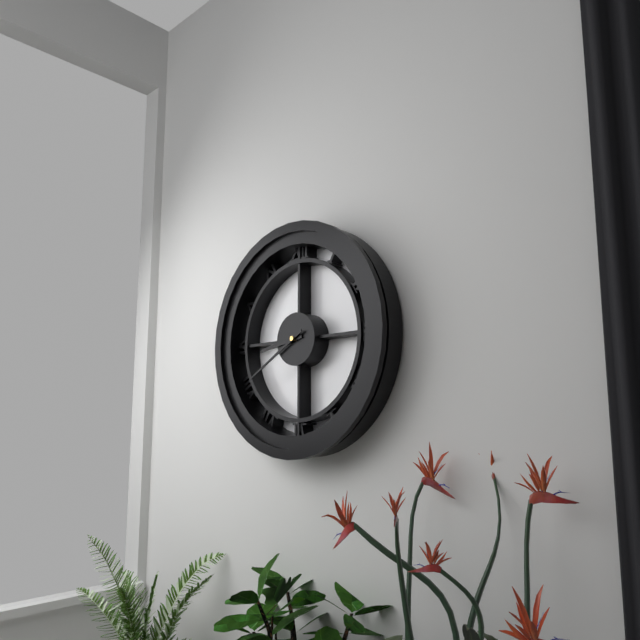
h=8 m=40
